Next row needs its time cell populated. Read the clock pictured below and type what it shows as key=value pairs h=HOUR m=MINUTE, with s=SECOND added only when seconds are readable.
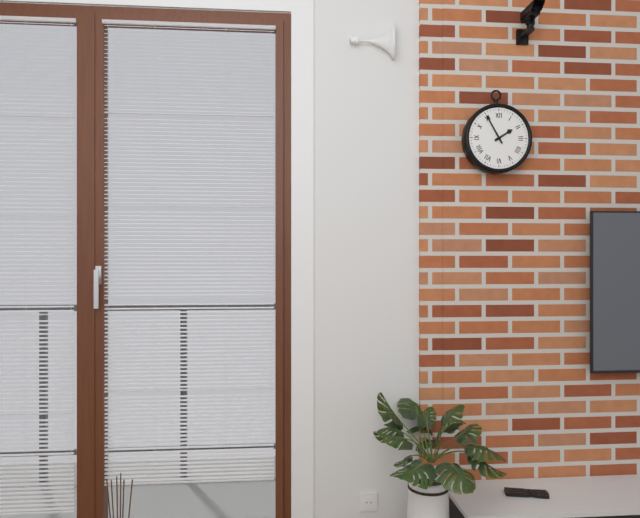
h=1 m=55
